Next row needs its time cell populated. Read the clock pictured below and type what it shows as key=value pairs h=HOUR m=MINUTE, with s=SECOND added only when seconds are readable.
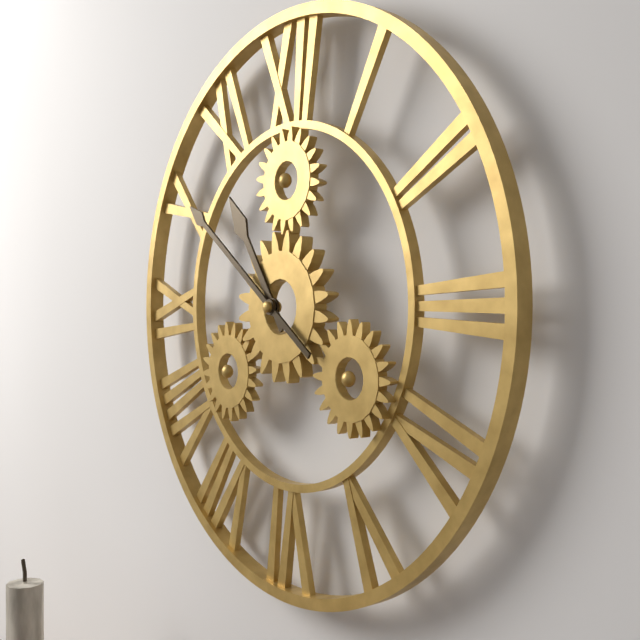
h=10 m=51
